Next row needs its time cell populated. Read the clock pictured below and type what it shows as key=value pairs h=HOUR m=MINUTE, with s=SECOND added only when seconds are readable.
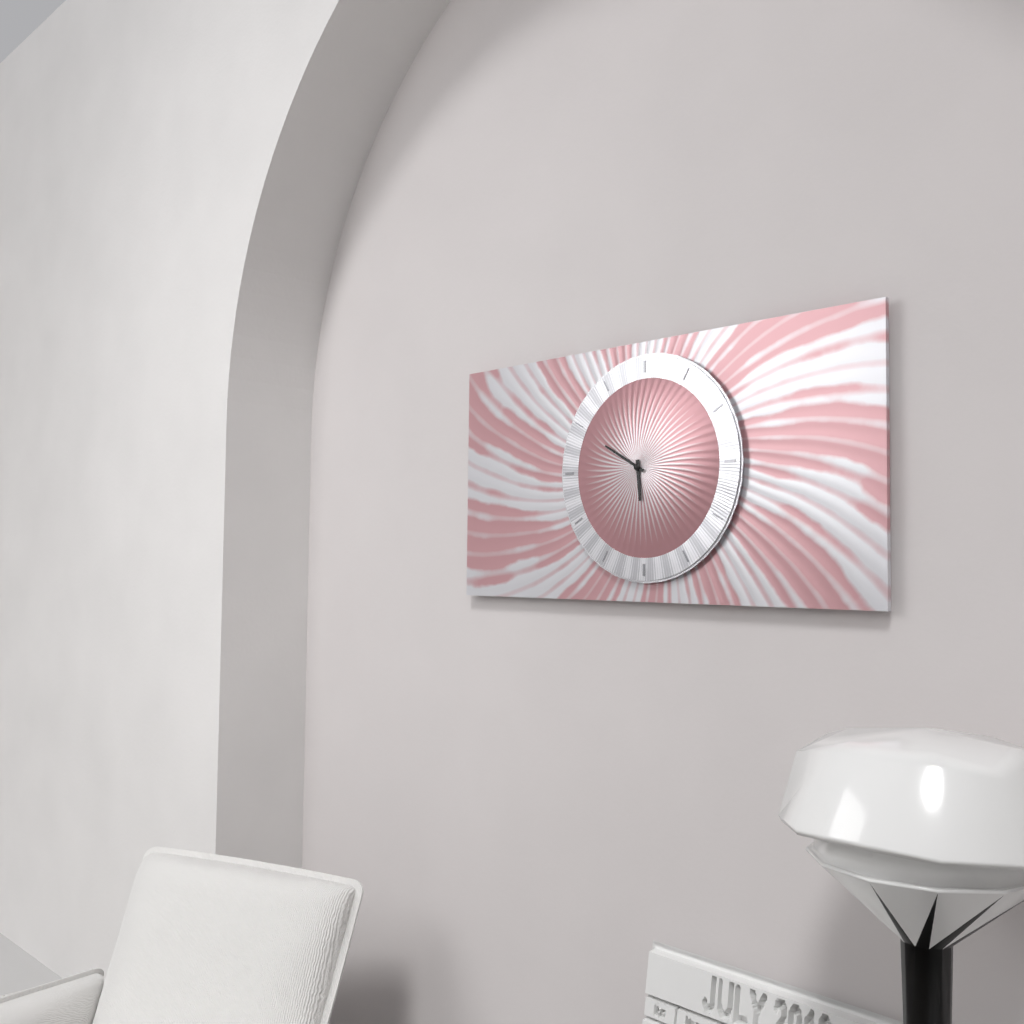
h=5 m=50
